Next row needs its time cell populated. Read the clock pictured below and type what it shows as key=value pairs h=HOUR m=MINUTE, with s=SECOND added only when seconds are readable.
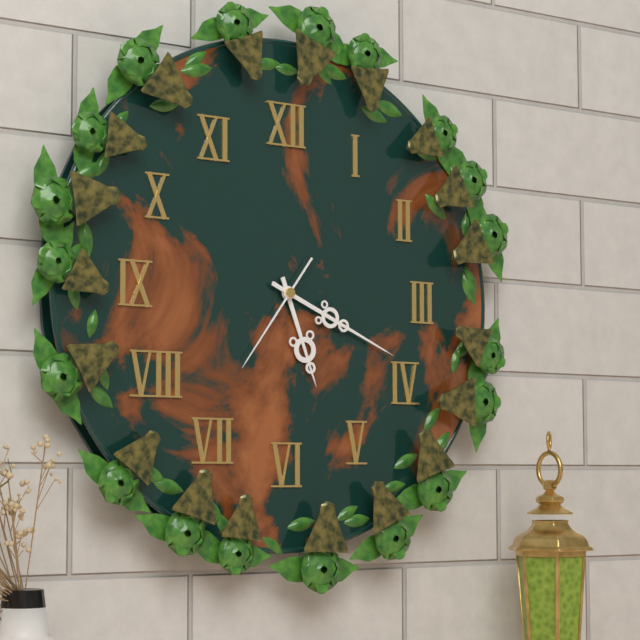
h=5 m=19 s=36
